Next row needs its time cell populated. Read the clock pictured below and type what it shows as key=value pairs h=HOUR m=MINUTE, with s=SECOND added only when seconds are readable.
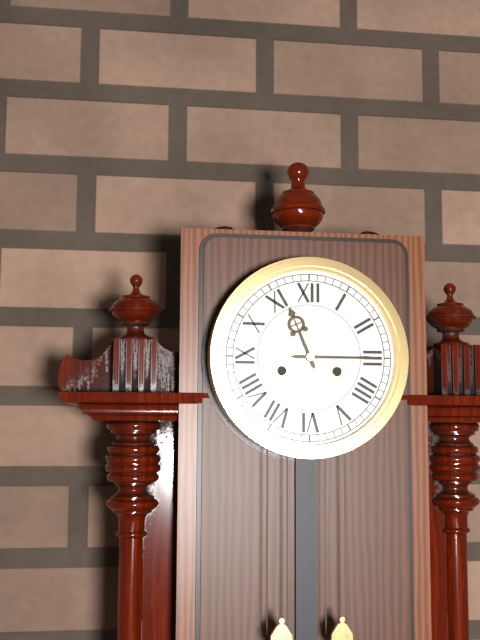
h=11 m=15
